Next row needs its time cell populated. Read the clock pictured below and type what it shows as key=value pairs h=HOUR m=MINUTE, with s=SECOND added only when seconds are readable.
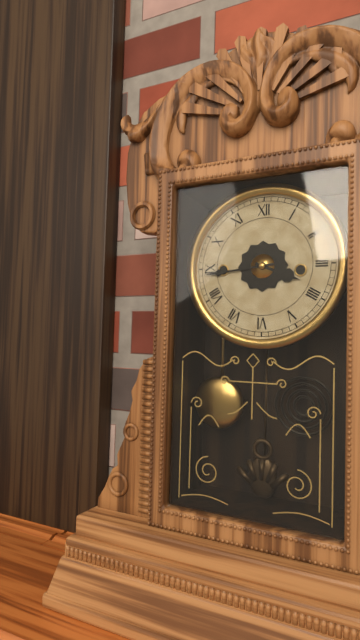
h=3 m=44
